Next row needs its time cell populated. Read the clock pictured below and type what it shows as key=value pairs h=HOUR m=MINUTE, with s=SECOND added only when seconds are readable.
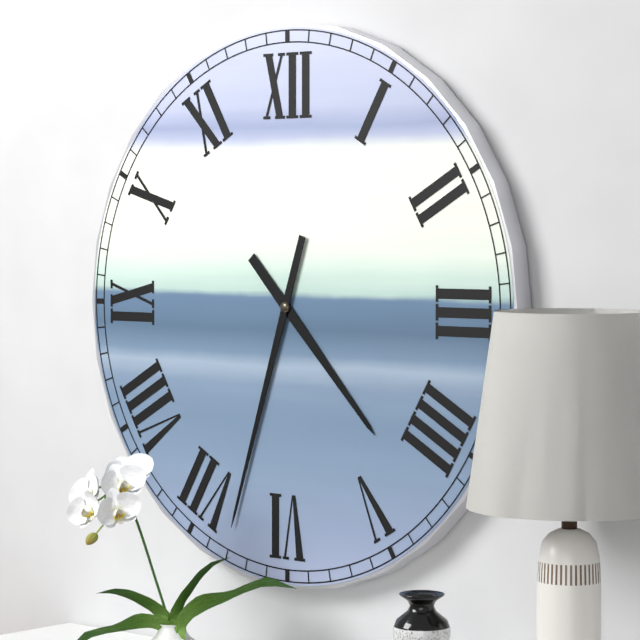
h=4 m=33
